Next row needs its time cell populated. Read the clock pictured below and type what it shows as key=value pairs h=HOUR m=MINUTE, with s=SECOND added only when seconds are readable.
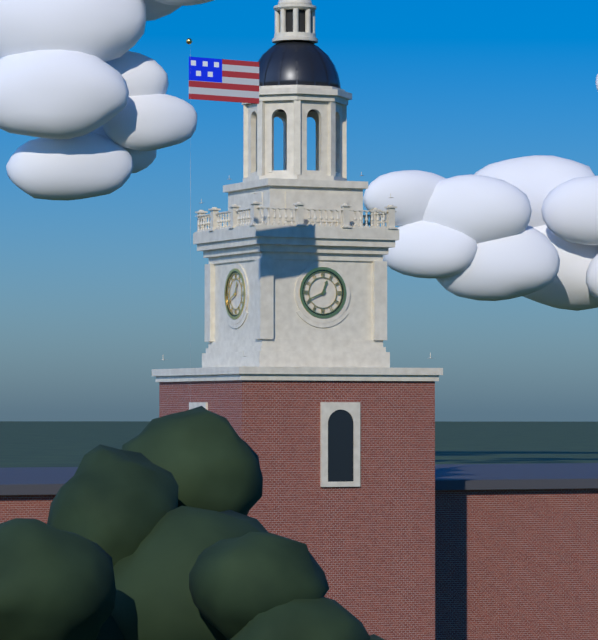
h=12 m=41
